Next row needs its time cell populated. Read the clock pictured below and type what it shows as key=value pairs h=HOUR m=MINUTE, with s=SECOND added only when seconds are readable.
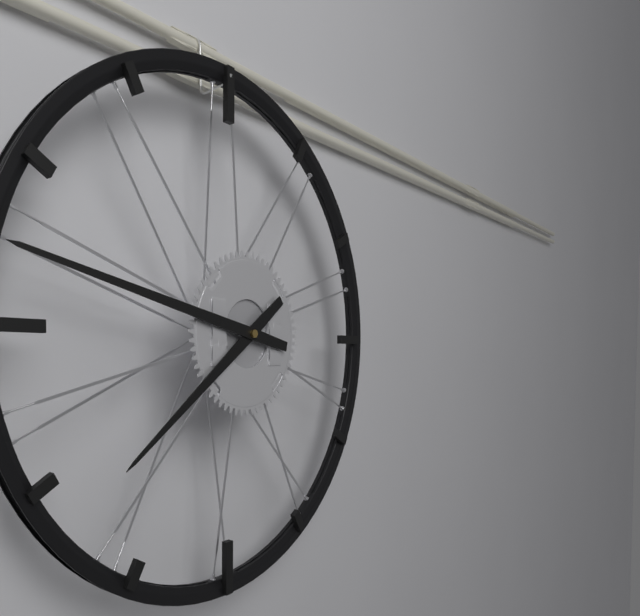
h=7 m=47
